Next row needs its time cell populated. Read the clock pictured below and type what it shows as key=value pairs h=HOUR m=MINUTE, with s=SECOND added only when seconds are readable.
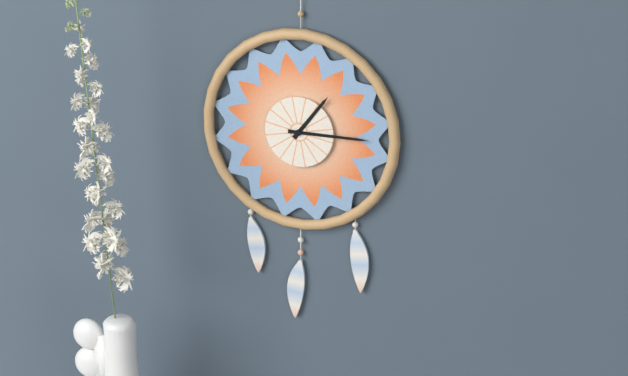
h=1 m=15
